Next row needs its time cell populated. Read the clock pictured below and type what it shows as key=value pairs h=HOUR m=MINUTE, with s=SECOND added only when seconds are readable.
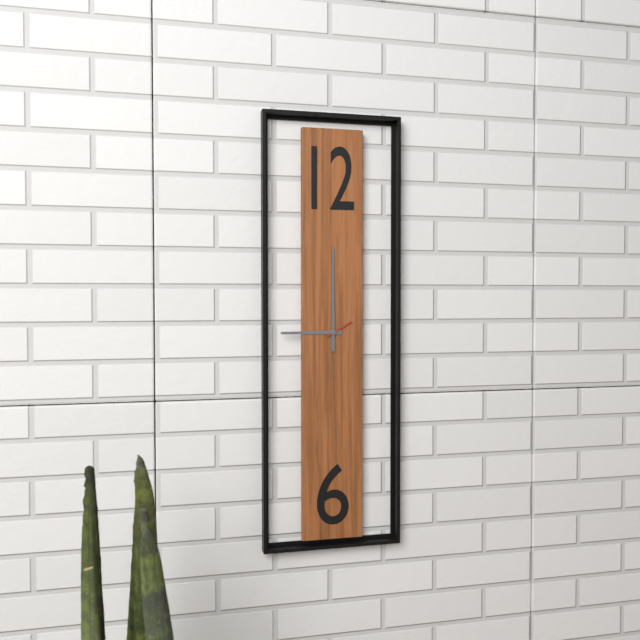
h=9 m=0
